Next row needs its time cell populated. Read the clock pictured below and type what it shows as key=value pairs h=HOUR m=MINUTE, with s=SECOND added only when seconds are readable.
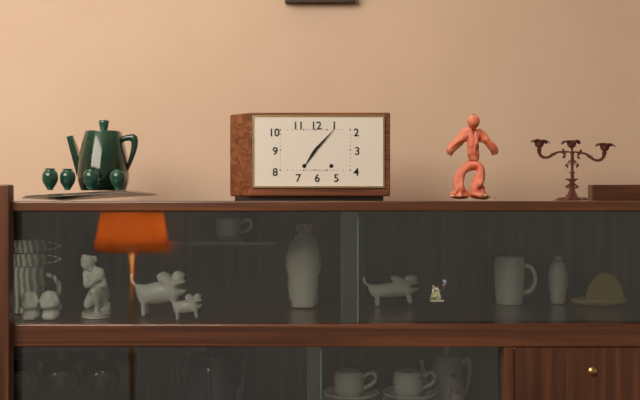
h=7 m=7
